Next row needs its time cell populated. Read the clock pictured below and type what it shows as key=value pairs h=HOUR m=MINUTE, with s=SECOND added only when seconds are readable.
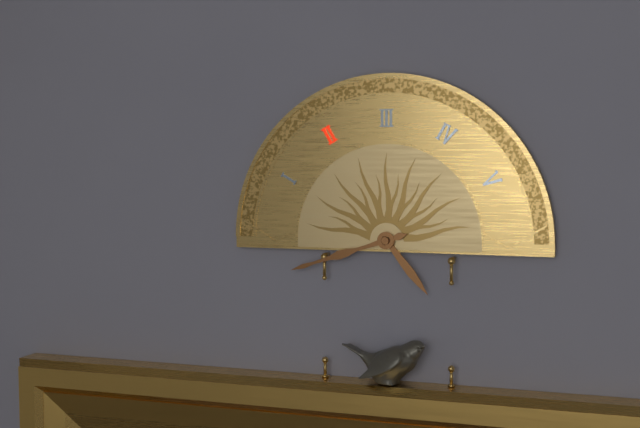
h=4 m=42
